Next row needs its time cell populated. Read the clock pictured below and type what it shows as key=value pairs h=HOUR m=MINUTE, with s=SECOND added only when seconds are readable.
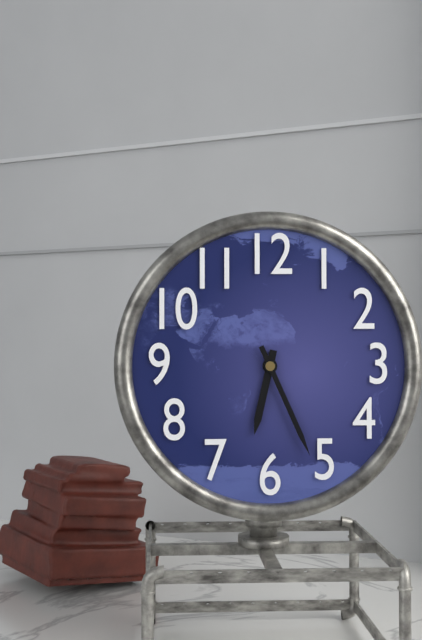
h=6 m=26
